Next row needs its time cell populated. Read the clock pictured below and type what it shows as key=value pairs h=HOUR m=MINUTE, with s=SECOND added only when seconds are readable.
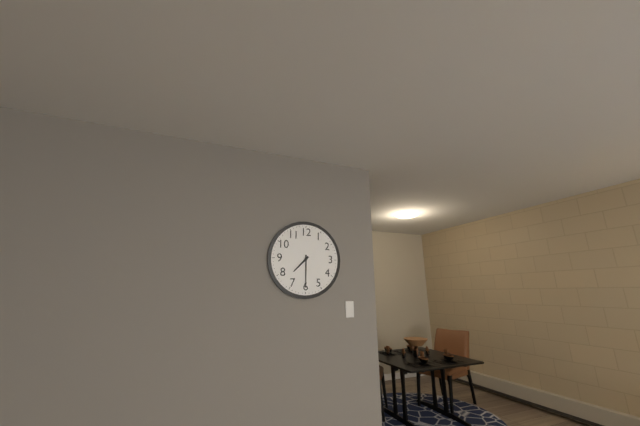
h=7 m=30
